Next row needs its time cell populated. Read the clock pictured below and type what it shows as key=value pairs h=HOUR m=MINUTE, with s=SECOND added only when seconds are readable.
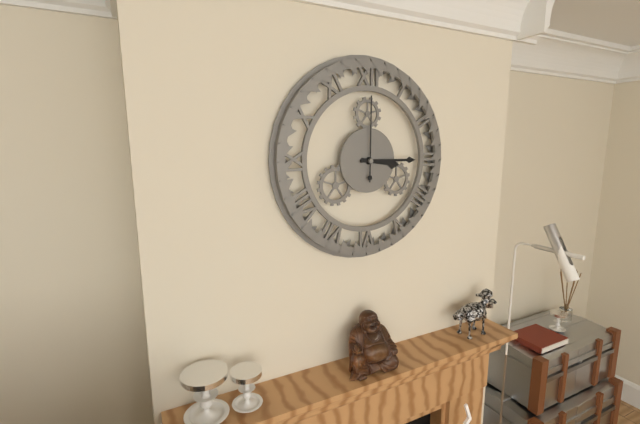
h=3 m=15 s=0
